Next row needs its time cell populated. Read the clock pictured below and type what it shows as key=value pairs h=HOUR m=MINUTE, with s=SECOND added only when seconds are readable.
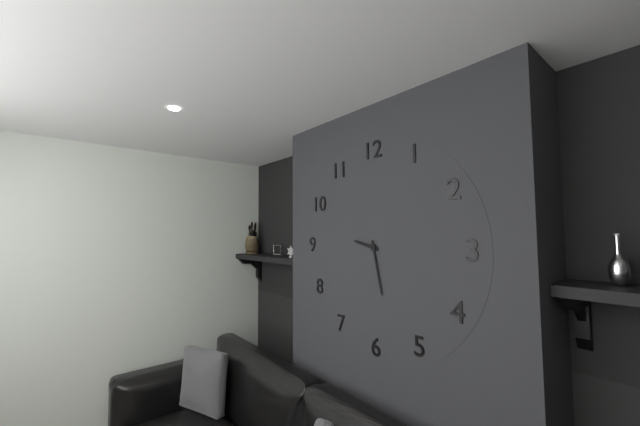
h=9 m=28
